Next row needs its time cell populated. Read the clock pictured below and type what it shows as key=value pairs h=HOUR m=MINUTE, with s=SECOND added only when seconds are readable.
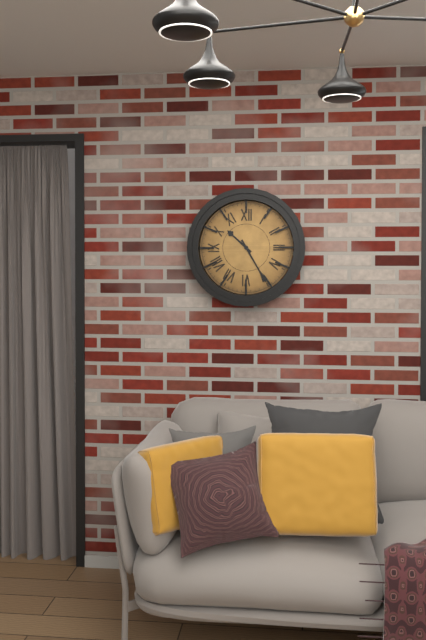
h=10 m=25
